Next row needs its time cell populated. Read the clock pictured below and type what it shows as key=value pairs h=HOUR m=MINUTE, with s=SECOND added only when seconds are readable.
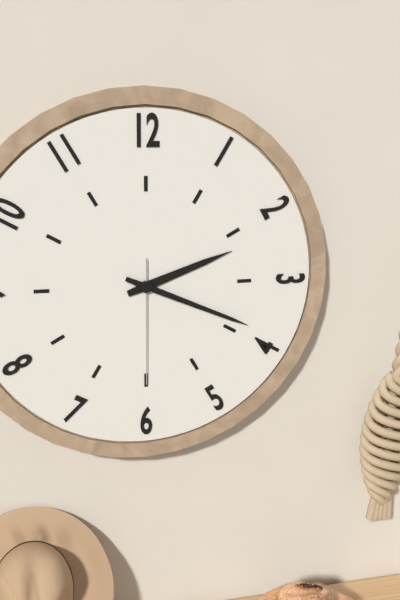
h=2 m=19 s=30
